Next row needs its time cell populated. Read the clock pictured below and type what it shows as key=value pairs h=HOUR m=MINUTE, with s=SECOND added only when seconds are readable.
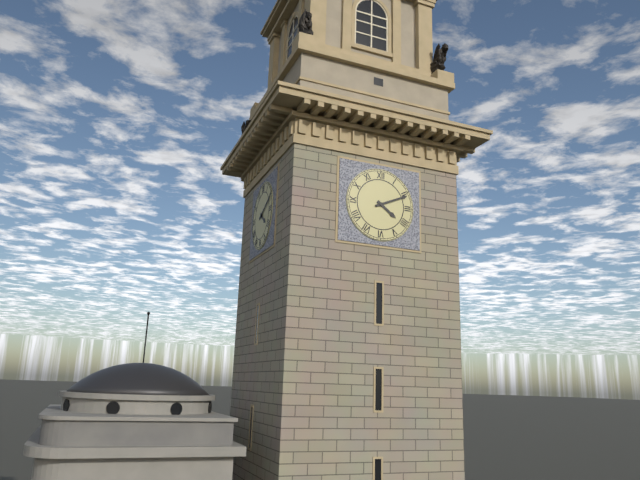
h=4 m=11
